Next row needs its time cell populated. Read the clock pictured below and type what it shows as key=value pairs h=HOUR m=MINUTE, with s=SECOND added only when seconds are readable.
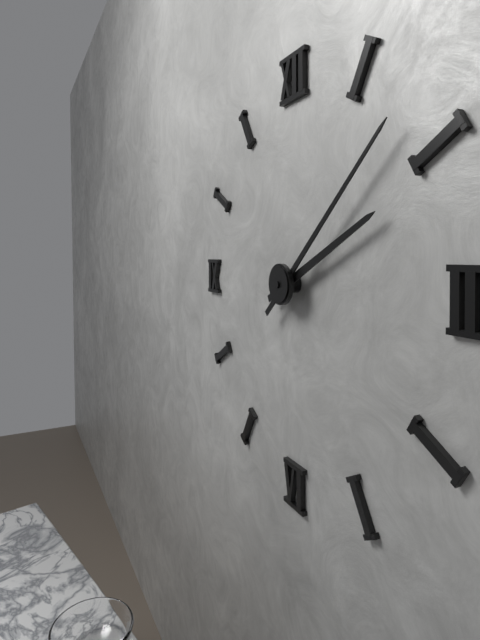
h=2 m=8
